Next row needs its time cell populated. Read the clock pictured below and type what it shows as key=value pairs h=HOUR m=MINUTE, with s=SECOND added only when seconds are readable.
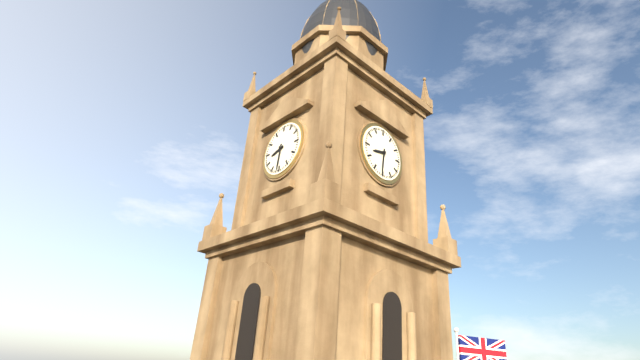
h=8 m=31
